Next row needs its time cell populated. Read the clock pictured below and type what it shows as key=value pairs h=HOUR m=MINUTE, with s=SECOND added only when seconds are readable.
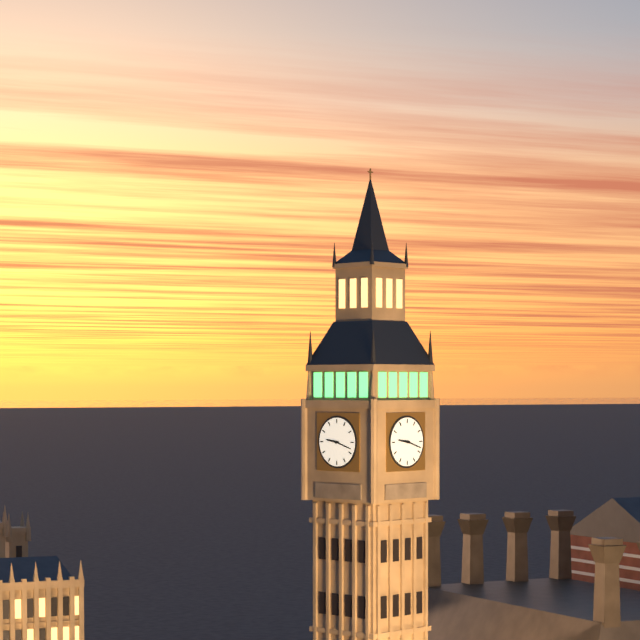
h=9 m=18
